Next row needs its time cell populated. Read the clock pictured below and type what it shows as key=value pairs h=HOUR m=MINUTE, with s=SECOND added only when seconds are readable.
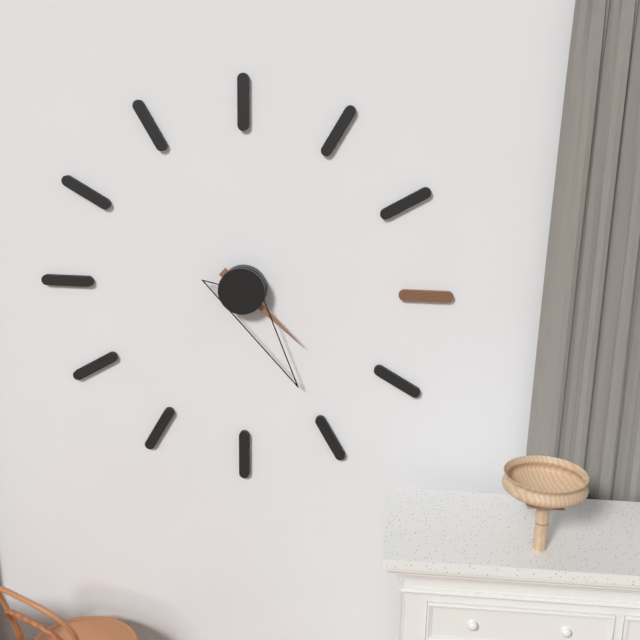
h=4 m=25
